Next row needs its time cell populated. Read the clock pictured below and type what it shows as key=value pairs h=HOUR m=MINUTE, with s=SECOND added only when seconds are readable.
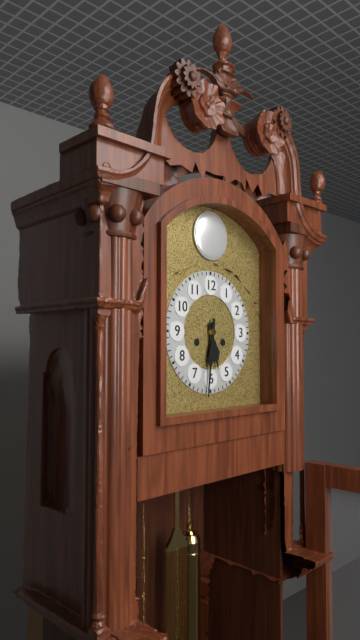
h=5 m=31
